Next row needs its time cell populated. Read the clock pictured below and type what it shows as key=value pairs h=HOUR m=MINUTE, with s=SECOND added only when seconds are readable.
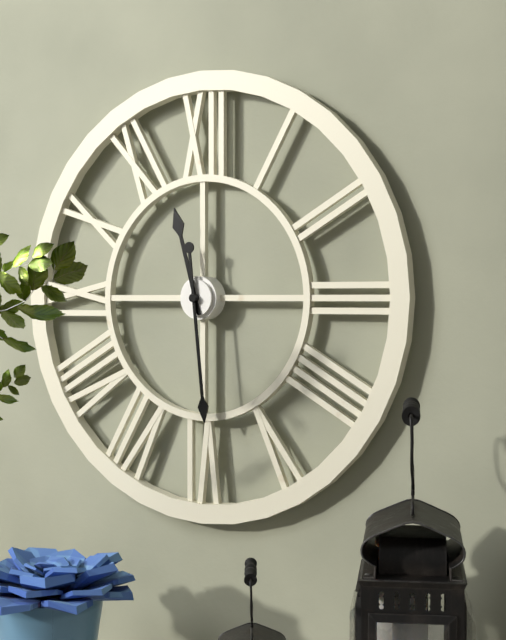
h=11 m=29
